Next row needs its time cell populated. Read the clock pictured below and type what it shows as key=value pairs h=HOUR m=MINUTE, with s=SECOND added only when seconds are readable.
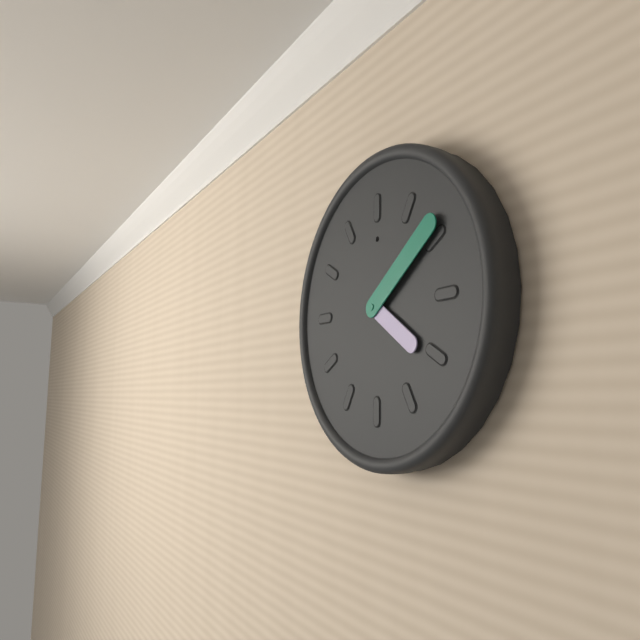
h=4 m=9
